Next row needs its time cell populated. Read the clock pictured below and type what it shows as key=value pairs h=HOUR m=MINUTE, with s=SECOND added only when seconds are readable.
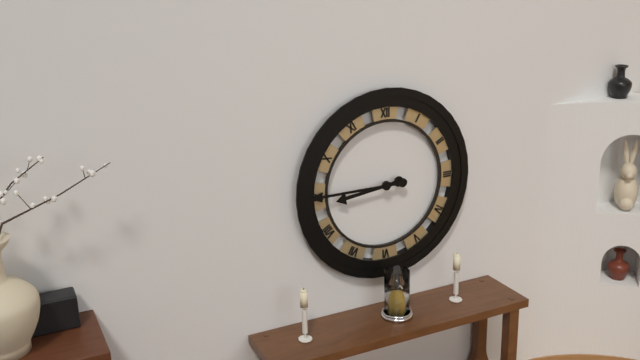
h=8 m=45
